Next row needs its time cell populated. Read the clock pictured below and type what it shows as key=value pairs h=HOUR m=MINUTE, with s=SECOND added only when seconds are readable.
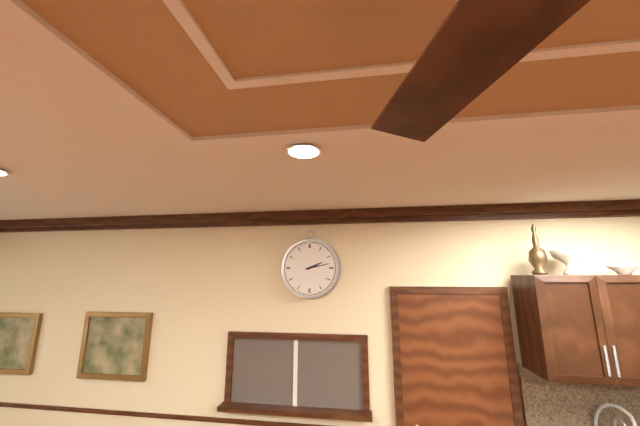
h=2 m=13
